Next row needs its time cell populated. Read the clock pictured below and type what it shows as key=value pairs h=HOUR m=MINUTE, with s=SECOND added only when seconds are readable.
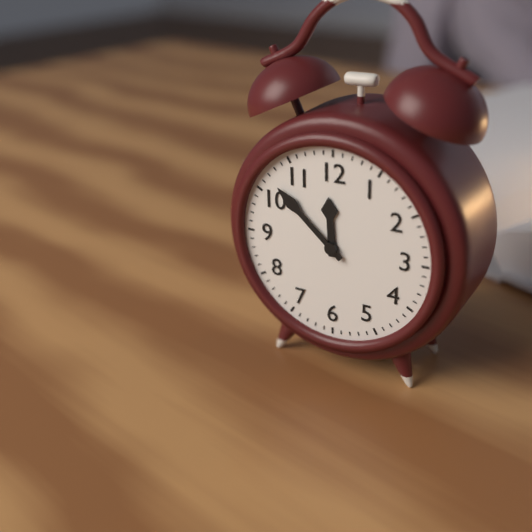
h=11 m=52
